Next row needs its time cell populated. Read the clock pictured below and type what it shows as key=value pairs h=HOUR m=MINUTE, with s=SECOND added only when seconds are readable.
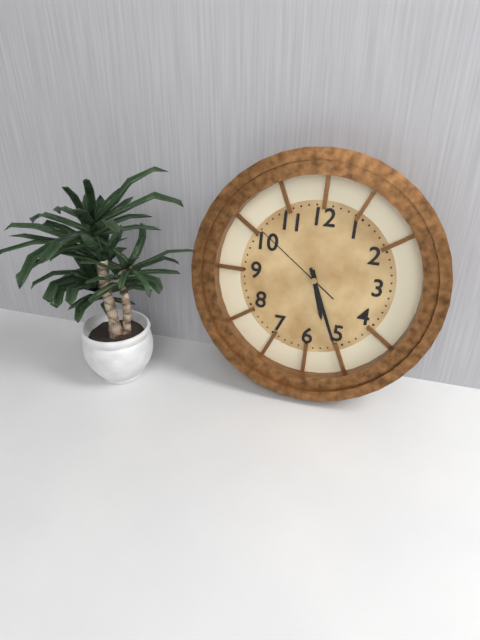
h=5 m=26 s=51
